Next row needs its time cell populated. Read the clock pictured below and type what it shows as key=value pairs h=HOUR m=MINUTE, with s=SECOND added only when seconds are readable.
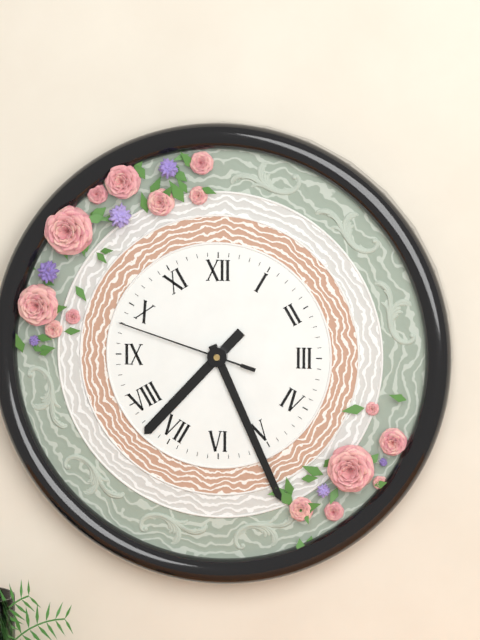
h=7 m=26 s=48
